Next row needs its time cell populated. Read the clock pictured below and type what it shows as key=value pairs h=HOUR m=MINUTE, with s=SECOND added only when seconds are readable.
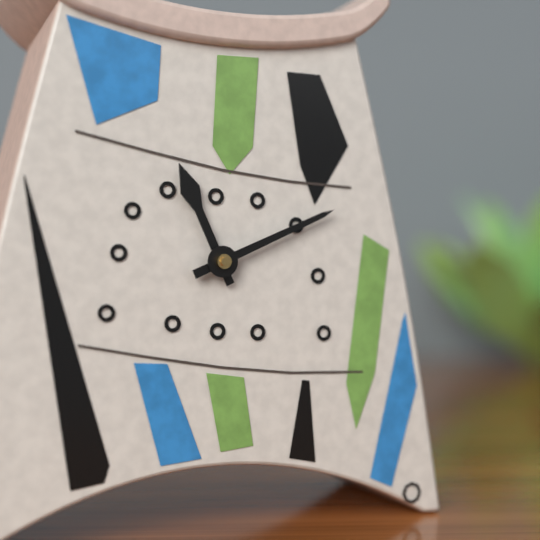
h=11 m=11
